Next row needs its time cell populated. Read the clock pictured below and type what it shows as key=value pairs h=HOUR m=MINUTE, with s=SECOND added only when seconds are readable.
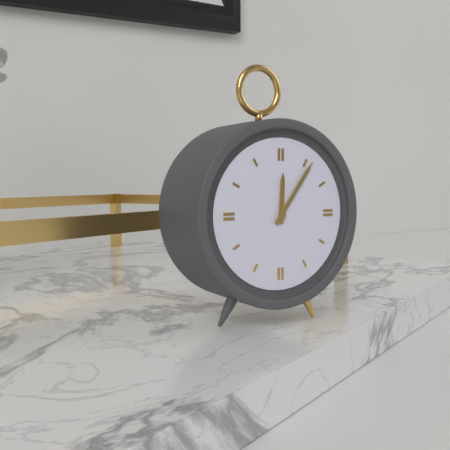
h=12 m=6
